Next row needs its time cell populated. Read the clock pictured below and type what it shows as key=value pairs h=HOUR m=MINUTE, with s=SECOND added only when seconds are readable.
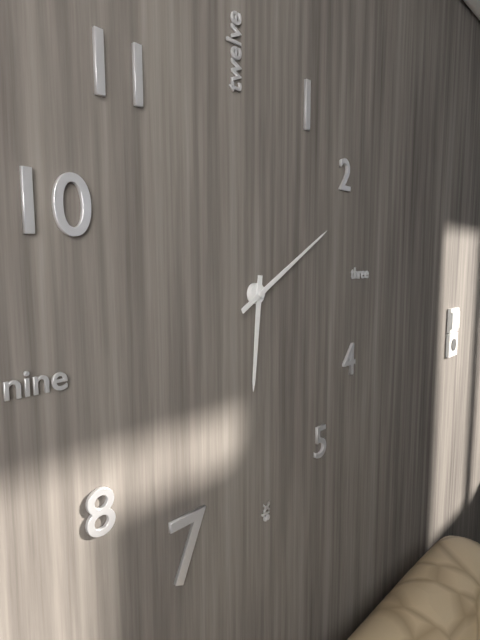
h=6 m=10
